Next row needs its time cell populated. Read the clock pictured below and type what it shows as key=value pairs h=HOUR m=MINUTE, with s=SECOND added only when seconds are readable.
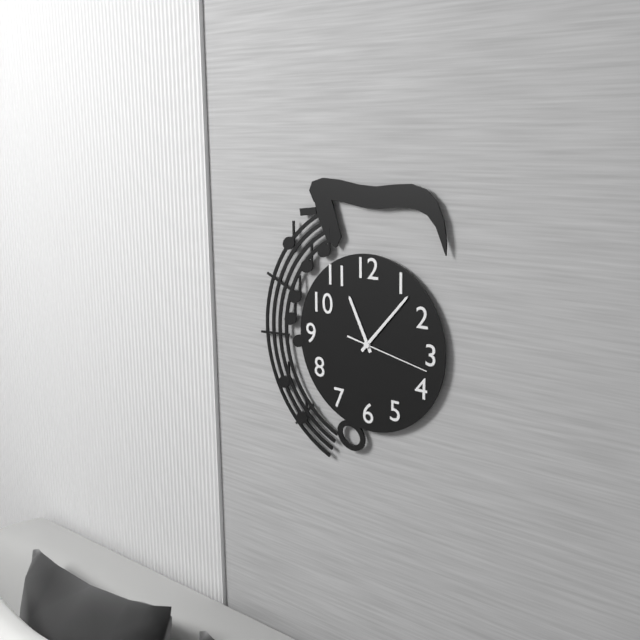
h=11 m=7 s=17
